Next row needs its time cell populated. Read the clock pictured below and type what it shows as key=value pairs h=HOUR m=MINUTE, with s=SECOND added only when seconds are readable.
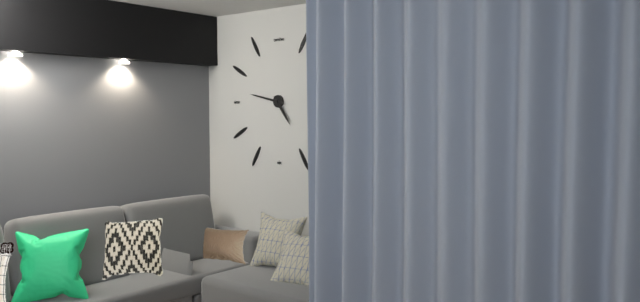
h=4 m=47
